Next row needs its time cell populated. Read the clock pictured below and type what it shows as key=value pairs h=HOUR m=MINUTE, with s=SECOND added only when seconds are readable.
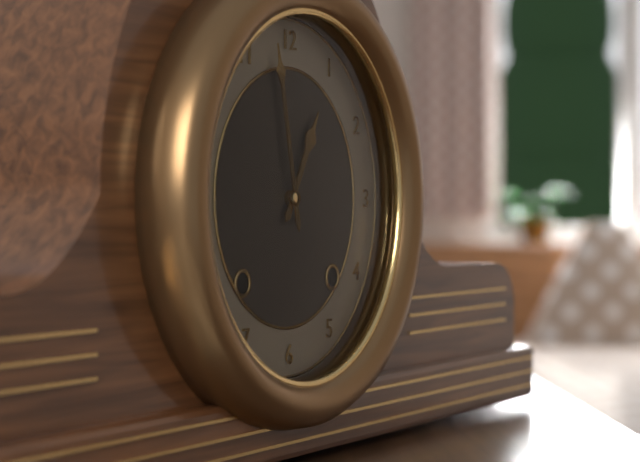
h=12 m=58
